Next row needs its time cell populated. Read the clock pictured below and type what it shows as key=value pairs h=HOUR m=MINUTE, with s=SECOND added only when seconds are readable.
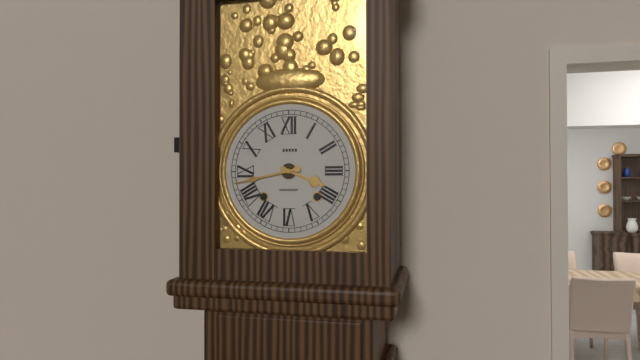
h=3 m=43
